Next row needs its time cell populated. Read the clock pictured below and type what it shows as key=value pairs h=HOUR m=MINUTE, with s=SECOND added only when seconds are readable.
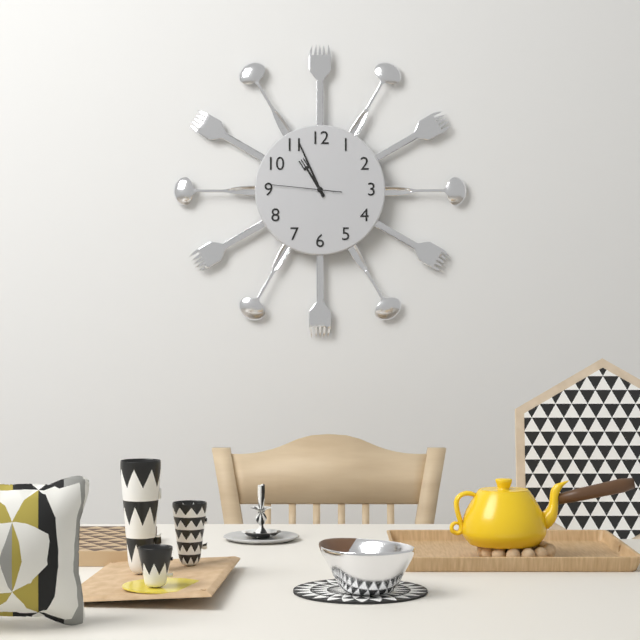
h=10 m=56 s=46
